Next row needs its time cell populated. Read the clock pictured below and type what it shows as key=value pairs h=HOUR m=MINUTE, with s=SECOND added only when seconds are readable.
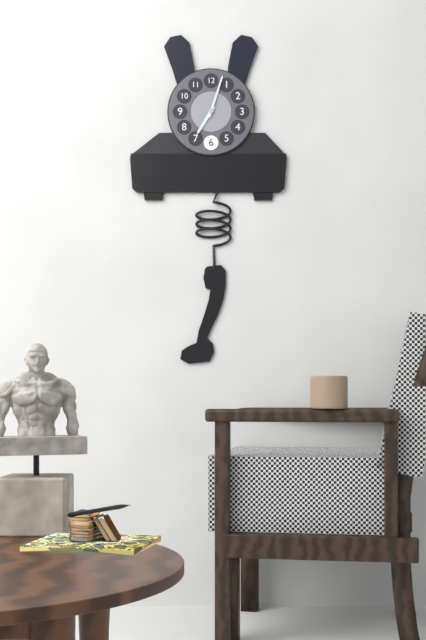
h=7 m=3
